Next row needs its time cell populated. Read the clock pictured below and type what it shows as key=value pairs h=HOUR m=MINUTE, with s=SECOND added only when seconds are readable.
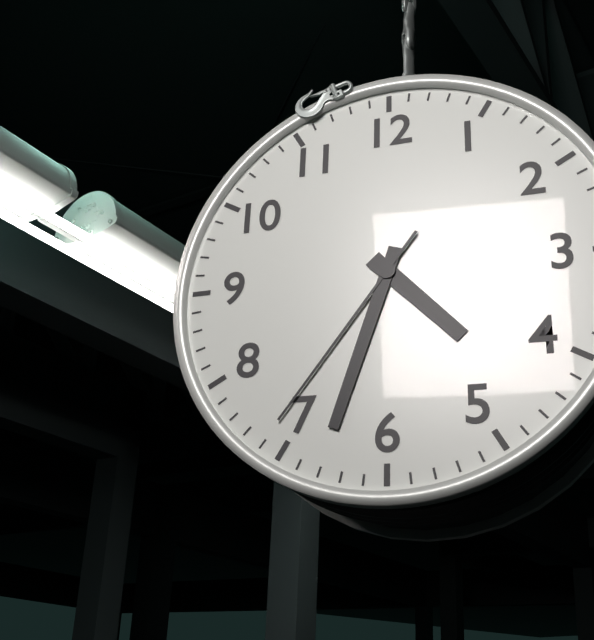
h=4 m=33 s=36
